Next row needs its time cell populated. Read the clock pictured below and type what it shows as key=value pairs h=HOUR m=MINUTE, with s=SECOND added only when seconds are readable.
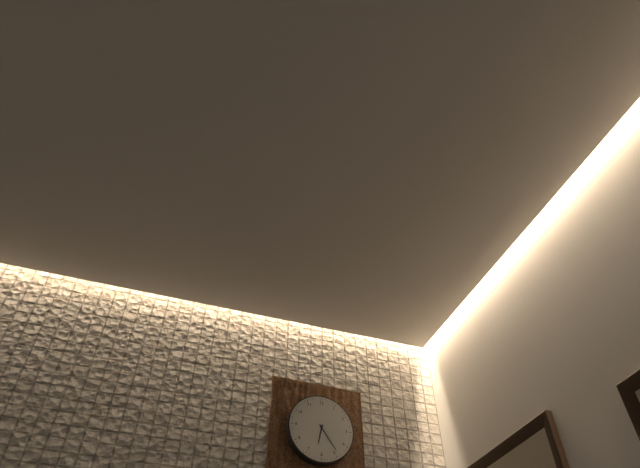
h=6 m=24
